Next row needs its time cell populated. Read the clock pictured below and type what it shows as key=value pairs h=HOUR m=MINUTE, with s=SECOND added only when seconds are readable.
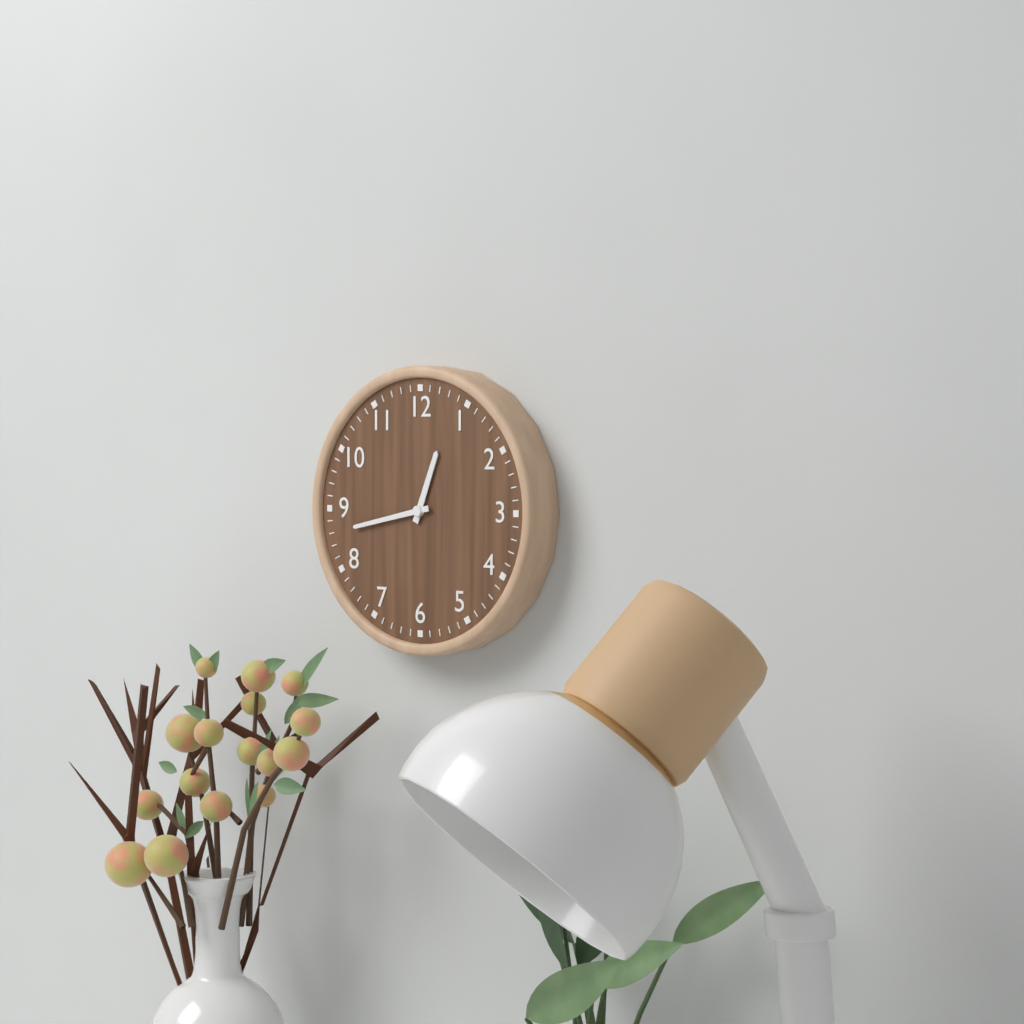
h=12 m=43
